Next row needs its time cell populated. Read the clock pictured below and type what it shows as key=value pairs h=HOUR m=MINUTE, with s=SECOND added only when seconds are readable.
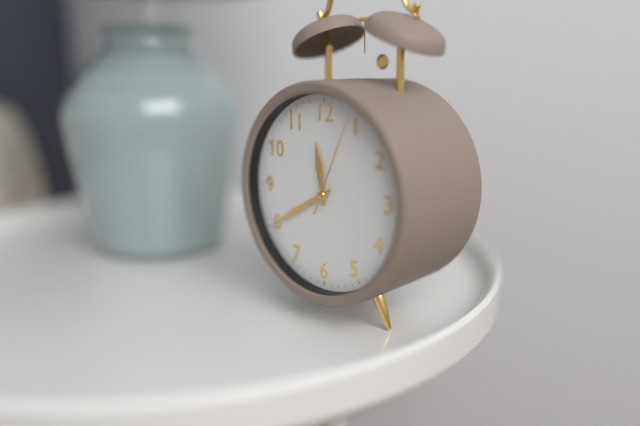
h=11 m=40 s=4
